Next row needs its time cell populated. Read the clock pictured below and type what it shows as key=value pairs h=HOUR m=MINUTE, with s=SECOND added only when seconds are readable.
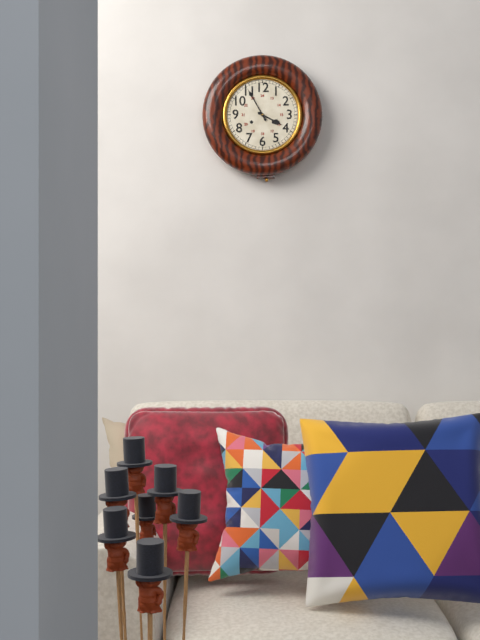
h=3 m=55
